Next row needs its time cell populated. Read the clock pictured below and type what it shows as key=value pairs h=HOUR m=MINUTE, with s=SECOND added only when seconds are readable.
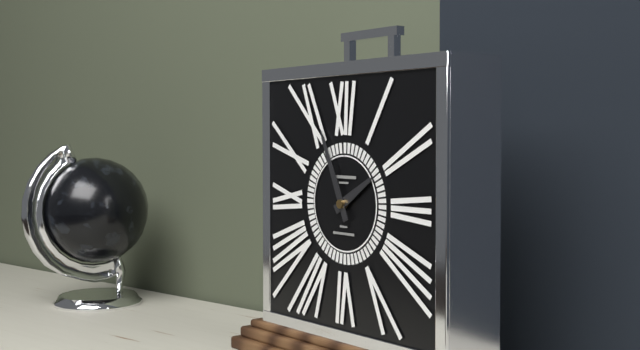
h=1 m=56
